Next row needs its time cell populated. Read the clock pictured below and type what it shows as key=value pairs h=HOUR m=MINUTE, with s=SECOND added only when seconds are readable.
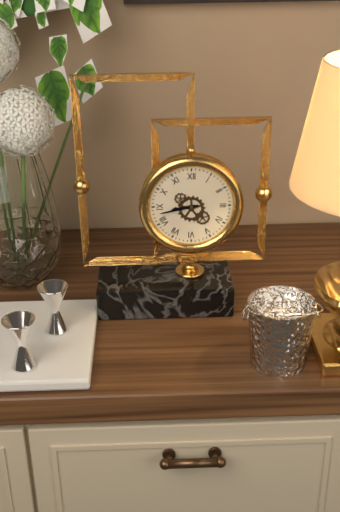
h=8 m=43
